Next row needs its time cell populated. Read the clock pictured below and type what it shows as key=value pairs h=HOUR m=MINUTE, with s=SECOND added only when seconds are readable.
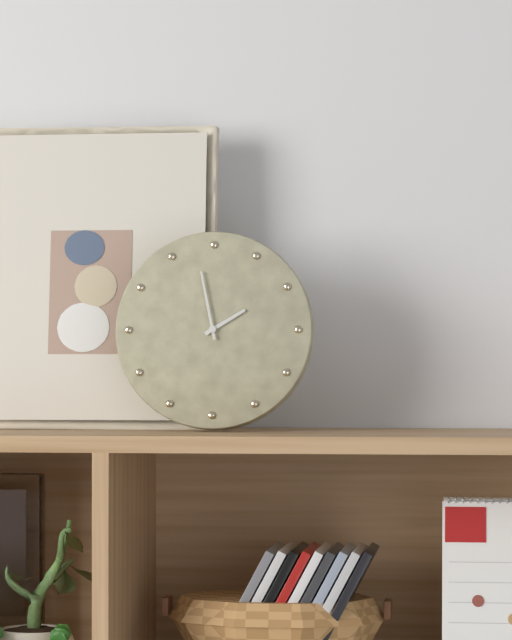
h=1 m=58
